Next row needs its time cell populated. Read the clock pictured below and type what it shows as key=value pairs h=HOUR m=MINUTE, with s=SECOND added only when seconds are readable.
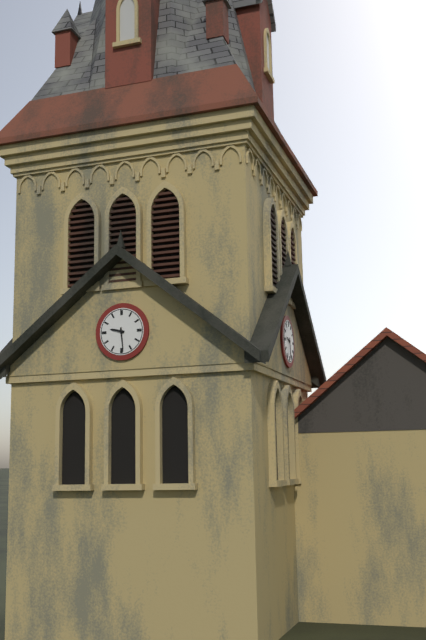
h=9 m=29
